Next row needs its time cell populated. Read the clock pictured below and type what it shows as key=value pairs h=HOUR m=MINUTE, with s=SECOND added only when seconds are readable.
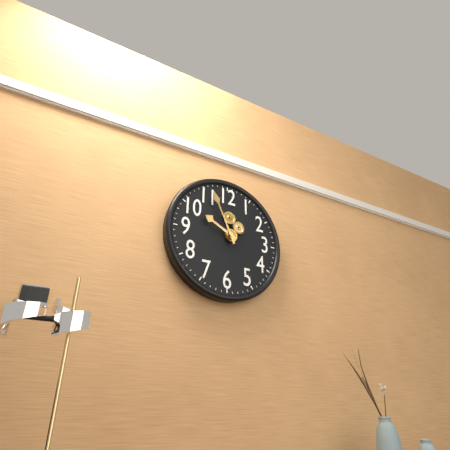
h=9 m=56
